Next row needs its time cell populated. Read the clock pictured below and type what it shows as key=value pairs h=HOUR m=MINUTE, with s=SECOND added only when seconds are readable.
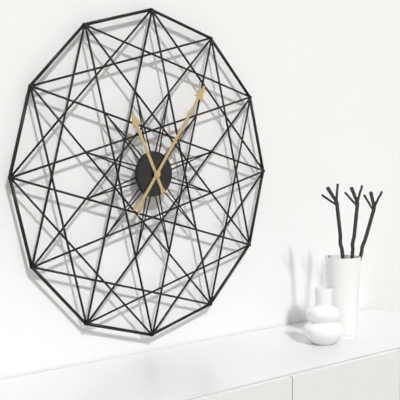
h=11 m=6
